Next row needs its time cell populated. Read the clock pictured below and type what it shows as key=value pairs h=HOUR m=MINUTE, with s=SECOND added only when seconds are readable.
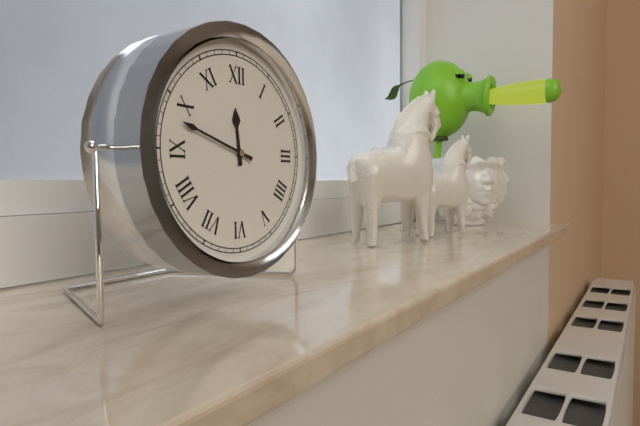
h=11 m=48
